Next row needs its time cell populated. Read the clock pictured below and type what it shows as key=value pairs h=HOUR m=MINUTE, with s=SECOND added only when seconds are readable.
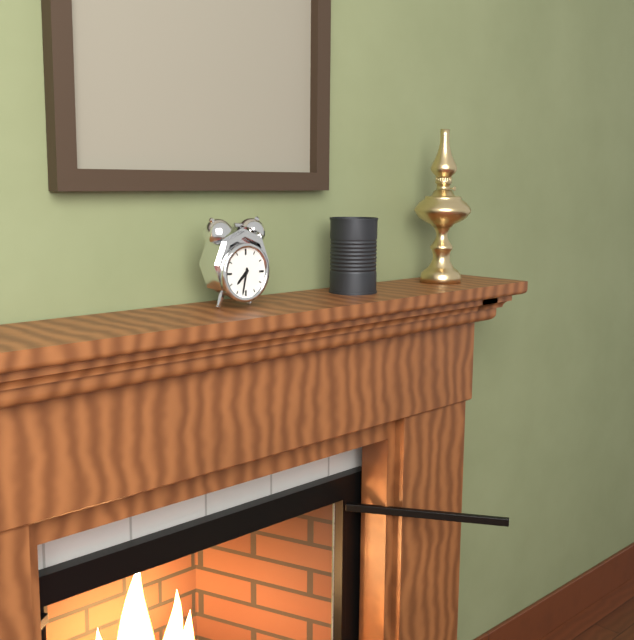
h=7 m=32
